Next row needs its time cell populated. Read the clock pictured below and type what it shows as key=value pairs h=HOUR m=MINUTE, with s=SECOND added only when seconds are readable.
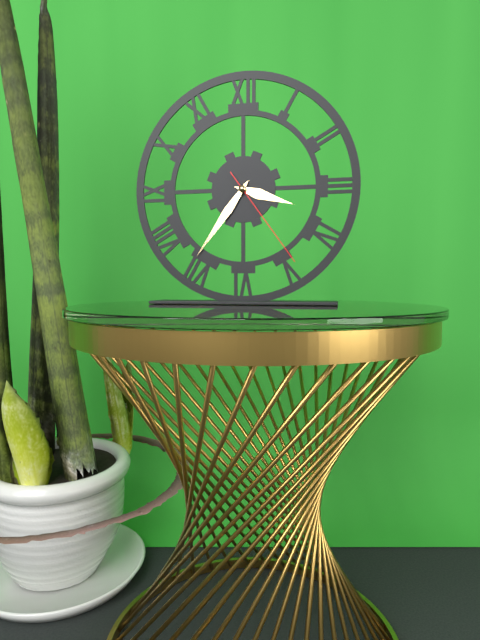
h=3 m=36 s=24
